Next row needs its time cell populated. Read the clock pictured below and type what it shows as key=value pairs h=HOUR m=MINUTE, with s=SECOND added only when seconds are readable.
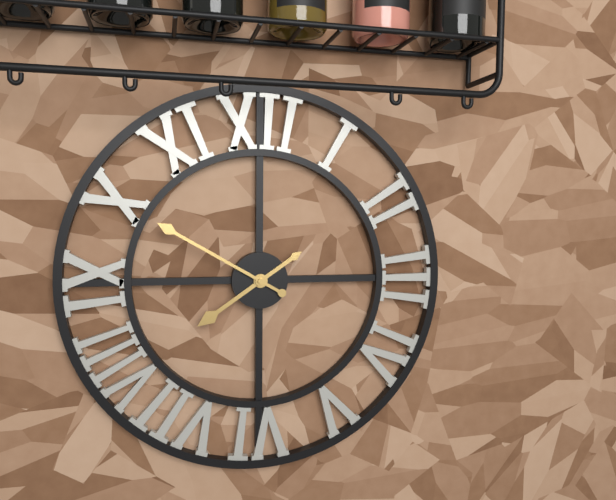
h=7 m=50
